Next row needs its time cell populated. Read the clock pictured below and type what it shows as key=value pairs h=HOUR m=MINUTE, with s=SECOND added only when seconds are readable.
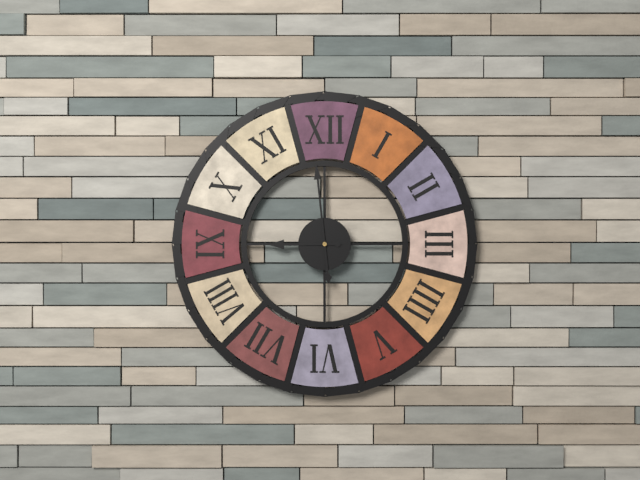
h=8 m=59
